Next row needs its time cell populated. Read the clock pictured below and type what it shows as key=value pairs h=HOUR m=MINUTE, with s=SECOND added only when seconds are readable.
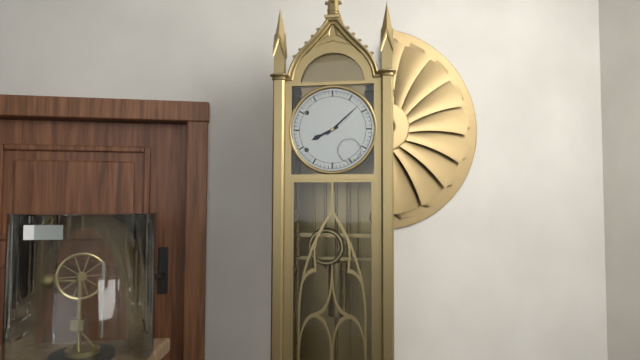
h=8 m=8
